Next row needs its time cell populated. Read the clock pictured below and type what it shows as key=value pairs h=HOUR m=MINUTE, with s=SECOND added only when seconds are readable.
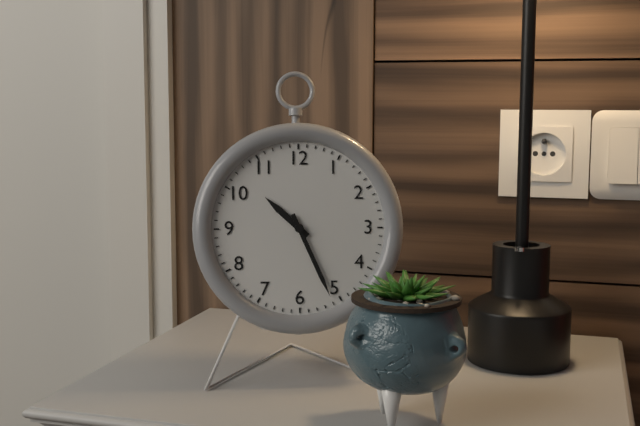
h=10 m=26
